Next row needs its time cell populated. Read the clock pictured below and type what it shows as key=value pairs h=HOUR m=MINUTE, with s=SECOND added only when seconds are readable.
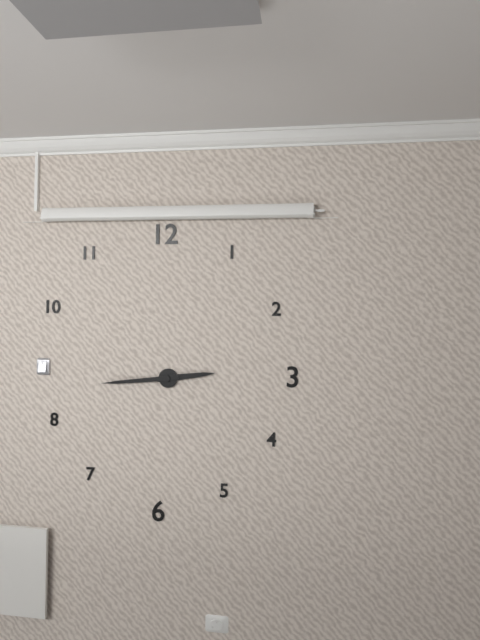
h=2 m=44
